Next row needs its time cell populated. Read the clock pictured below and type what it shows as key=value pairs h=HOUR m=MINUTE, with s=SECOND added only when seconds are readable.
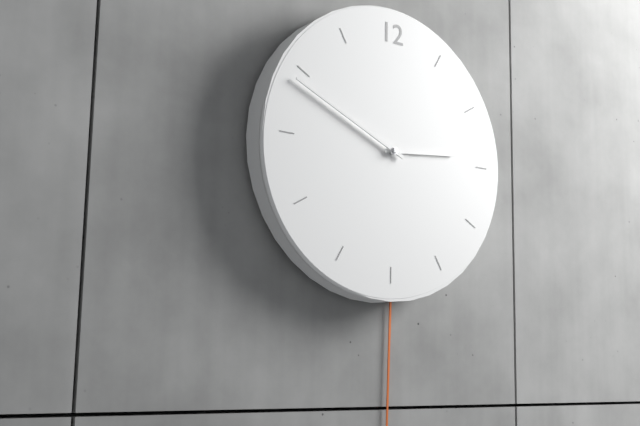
h=2 m=49
